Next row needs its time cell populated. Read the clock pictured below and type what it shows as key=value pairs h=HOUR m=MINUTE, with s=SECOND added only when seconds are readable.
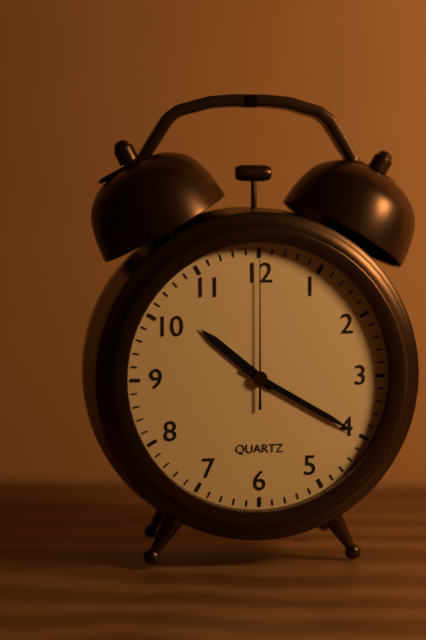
h=10 m=20 s=0
